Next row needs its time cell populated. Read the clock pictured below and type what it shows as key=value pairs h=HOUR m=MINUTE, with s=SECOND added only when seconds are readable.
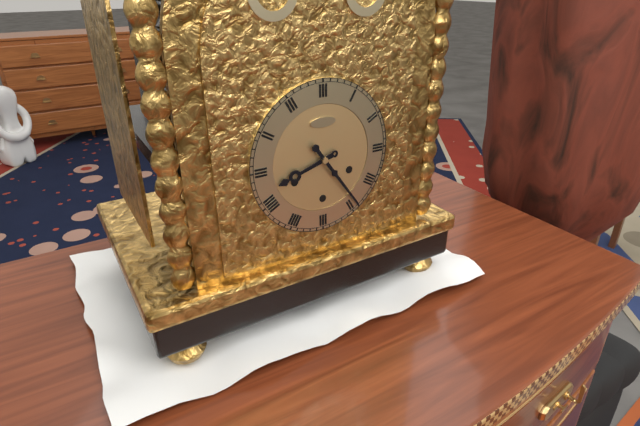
h=8 m=24
